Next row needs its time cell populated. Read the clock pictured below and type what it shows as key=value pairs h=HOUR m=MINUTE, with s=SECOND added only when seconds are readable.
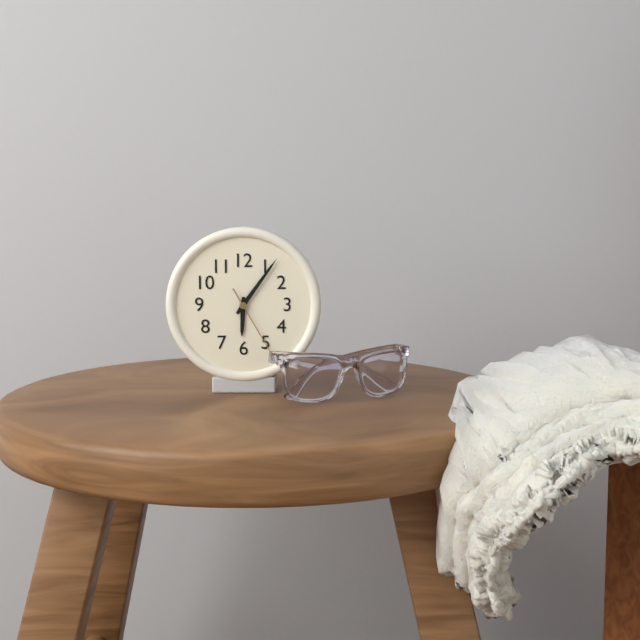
h=6 m=6 s=25
